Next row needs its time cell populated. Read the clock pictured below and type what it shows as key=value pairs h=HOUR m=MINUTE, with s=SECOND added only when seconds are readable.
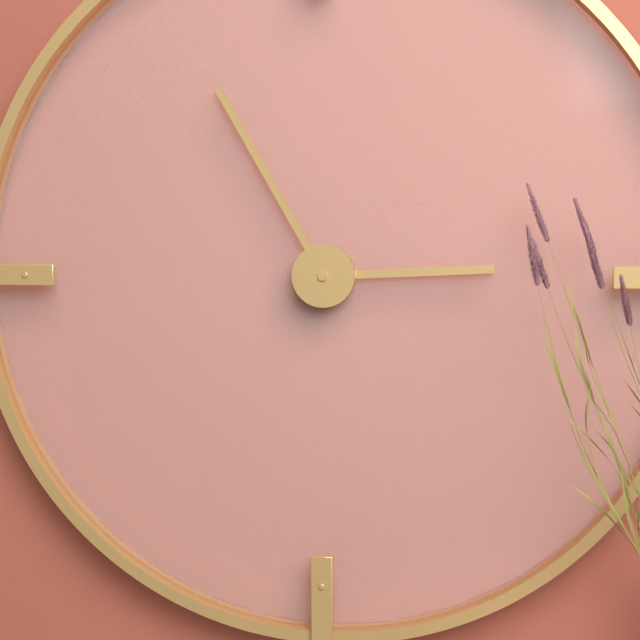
h=2 m=55
